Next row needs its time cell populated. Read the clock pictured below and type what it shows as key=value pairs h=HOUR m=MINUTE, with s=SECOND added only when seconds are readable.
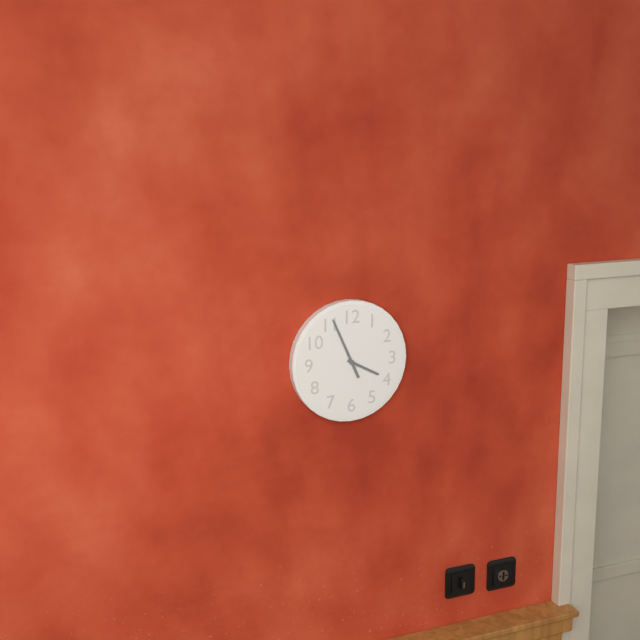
h=3 m=56
